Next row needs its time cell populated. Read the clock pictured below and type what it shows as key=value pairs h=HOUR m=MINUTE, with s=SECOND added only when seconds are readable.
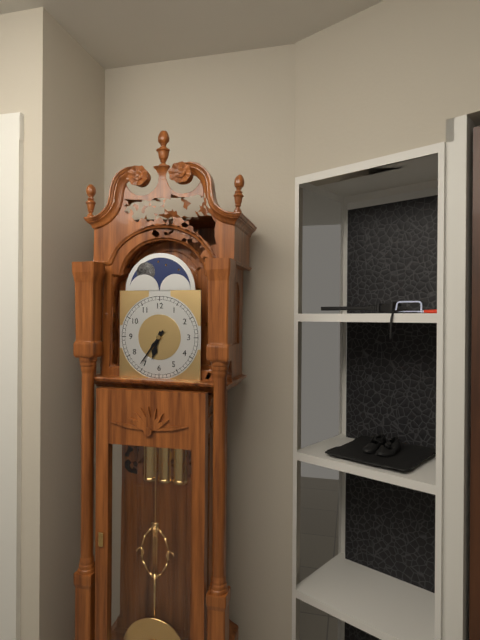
h=6 m=36
